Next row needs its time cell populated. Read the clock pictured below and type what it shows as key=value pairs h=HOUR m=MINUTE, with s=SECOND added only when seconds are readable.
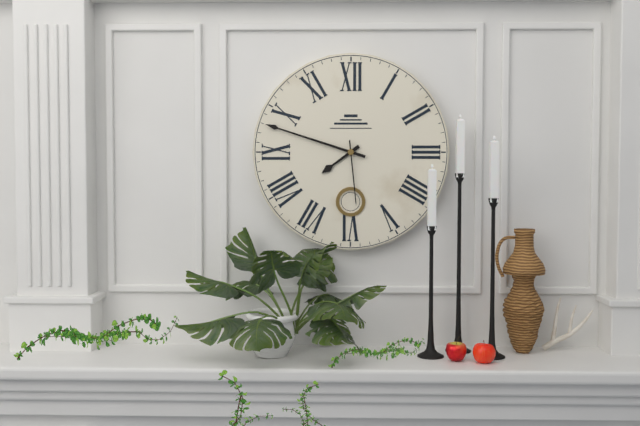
h=7 m=48 s=29
